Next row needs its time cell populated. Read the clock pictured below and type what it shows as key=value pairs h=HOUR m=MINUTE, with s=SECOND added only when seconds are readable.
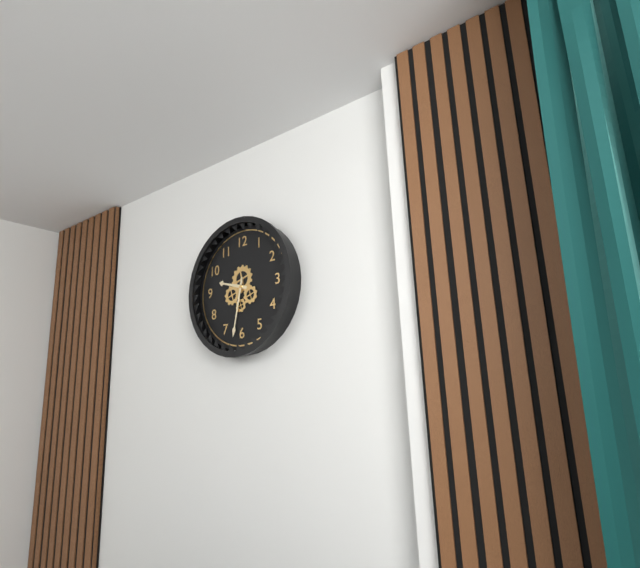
h=9 m=32
